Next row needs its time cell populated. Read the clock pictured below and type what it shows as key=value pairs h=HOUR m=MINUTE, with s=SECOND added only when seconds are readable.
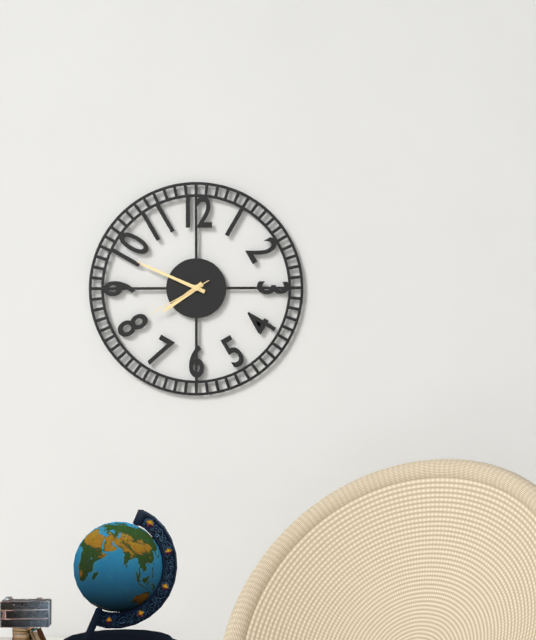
h=7 m=49 s=40
